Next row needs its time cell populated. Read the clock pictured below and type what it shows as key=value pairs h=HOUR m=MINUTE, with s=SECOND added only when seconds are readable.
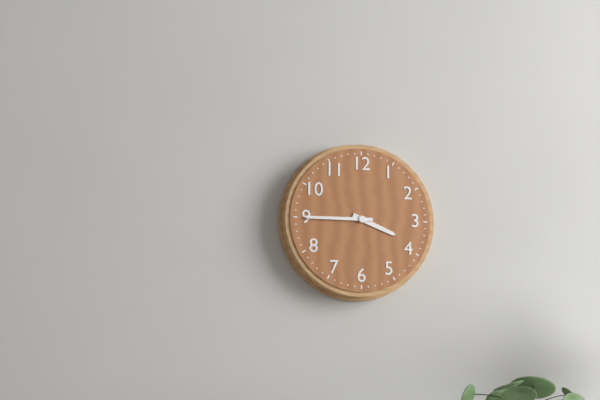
h=3 m=45
